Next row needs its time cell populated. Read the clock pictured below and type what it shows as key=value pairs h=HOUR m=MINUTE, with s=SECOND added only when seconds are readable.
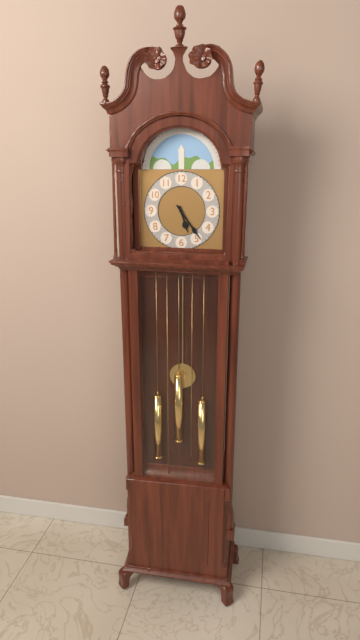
h=5 m=24
